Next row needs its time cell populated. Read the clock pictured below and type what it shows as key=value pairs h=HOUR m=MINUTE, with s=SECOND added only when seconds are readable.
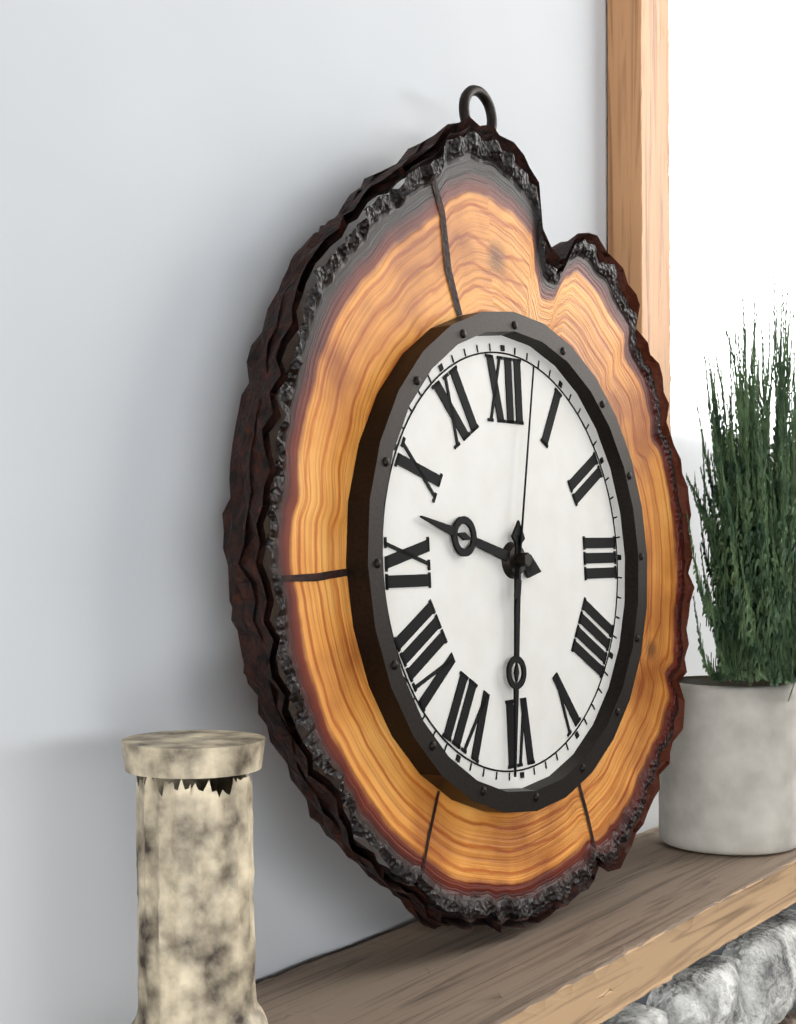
h=9 m=31 s=2
